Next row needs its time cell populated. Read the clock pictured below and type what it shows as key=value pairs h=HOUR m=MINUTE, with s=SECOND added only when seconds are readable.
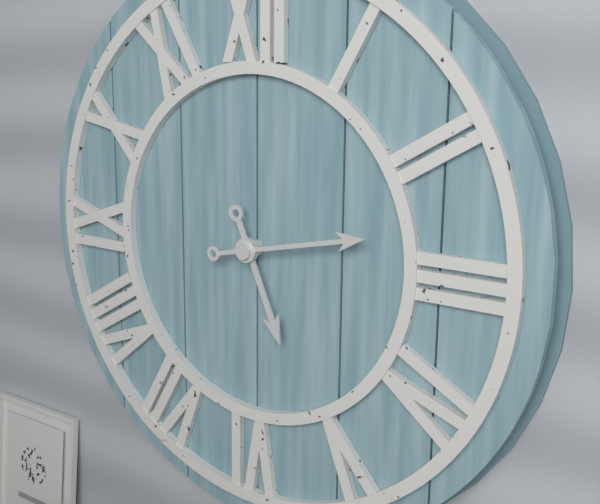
h=5 m=13
